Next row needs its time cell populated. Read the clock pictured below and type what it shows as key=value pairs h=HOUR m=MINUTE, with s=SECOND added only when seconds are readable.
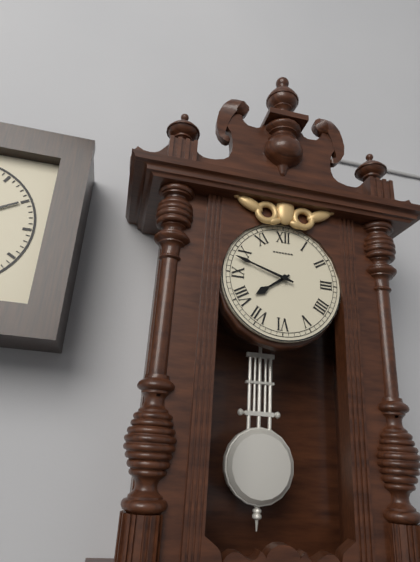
h=7 m=48
